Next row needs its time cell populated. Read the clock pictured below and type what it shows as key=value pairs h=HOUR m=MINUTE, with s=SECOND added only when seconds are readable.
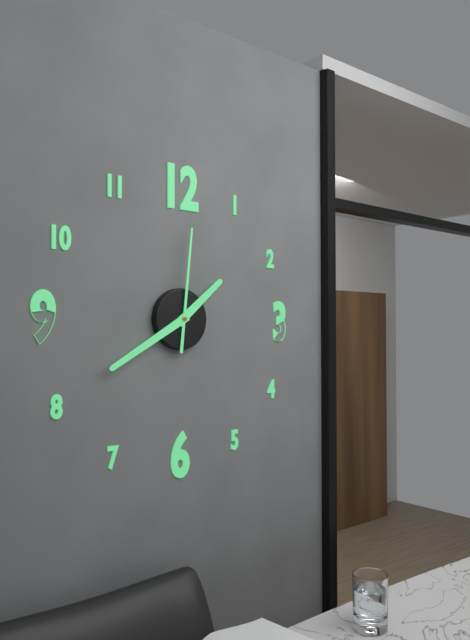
h=1 m=40 s=1
